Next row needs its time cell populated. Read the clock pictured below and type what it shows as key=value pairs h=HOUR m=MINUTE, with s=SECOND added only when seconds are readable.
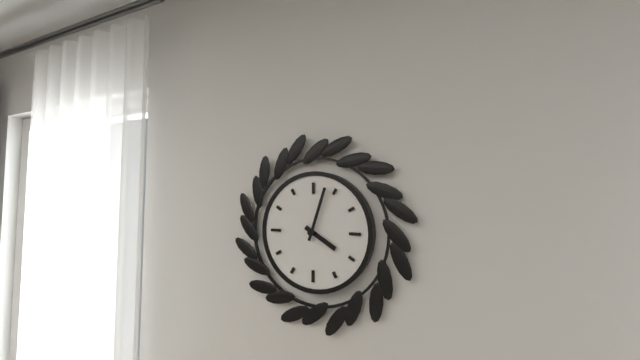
h=4 m=3
